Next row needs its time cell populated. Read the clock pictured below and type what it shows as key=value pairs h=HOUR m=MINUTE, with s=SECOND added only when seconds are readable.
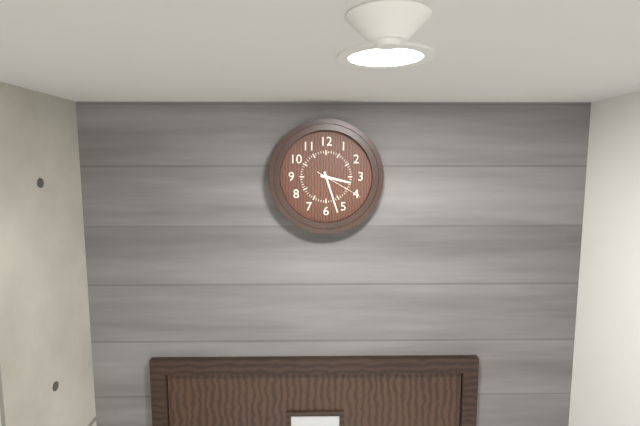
h=3 m=27 s=20
